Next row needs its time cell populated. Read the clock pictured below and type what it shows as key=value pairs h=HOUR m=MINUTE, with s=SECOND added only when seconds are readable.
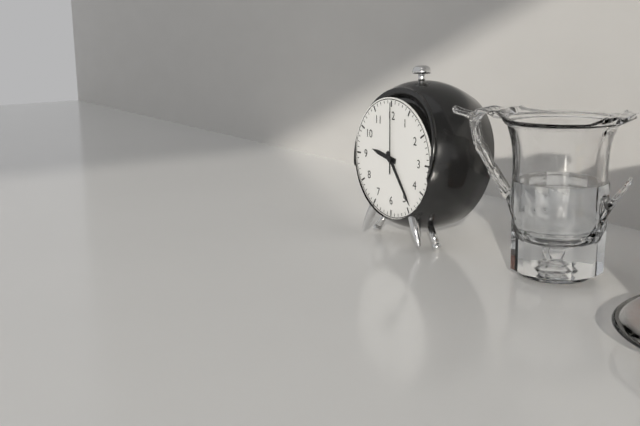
h=9 m=24 s=0
